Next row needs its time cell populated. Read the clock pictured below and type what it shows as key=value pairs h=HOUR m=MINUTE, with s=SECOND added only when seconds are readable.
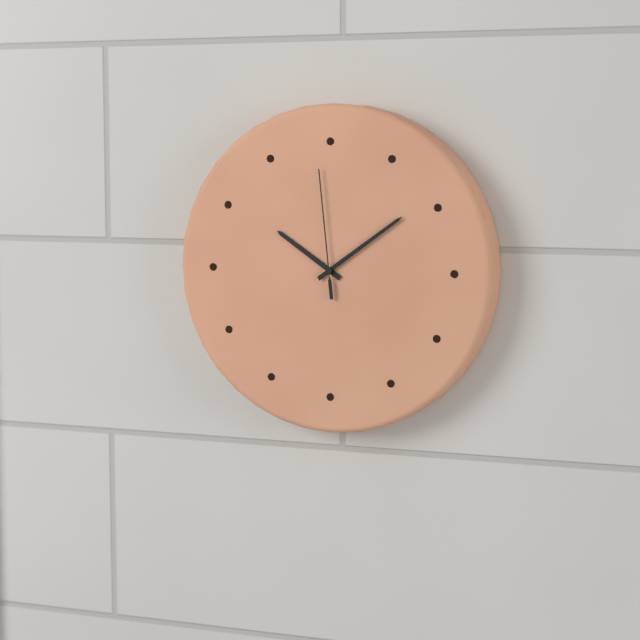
h=10 m=9 s=59
